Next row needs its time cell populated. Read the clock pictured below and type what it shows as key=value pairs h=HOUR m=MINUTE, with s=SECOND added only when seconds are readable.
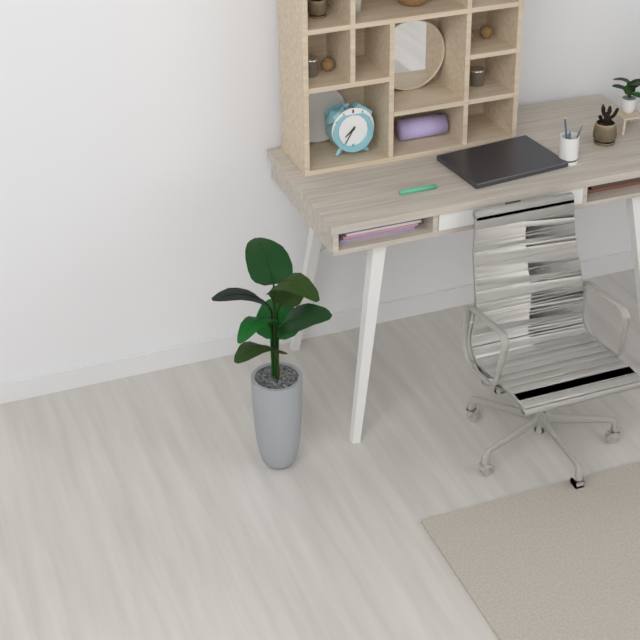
h=7 m=35
